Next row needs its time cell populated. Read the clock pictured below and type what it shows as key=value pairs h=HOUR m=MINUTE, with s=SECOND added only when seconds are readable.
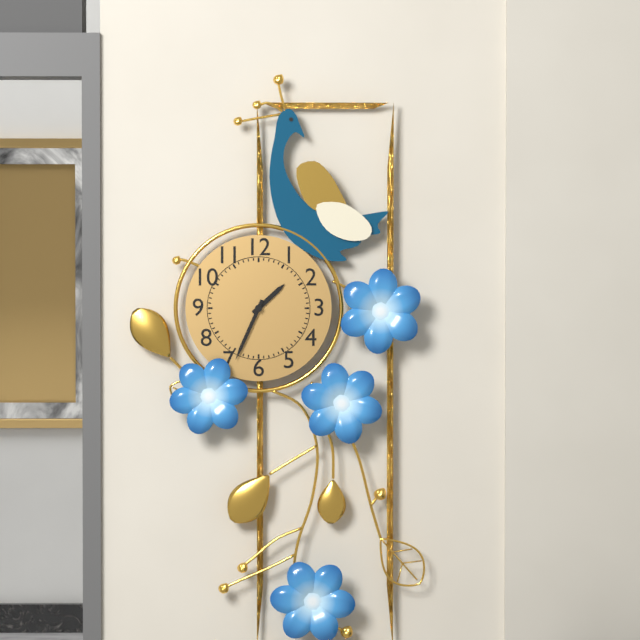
h=1 m=34
